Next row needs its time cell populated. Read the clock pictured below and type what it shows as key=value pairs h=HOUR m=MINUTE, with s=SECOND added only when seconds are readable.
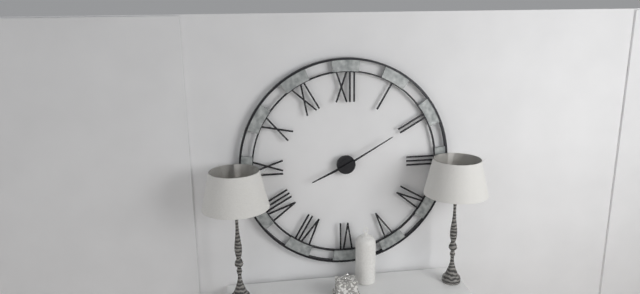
h=8 m=10
